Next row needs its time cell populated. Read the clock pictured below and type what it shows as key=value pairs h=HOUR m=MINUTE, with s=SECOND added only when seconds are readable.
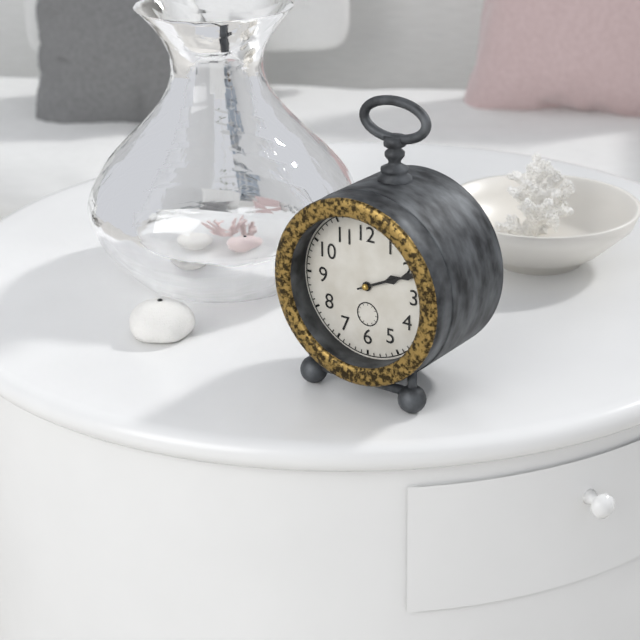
h=2 m=11
